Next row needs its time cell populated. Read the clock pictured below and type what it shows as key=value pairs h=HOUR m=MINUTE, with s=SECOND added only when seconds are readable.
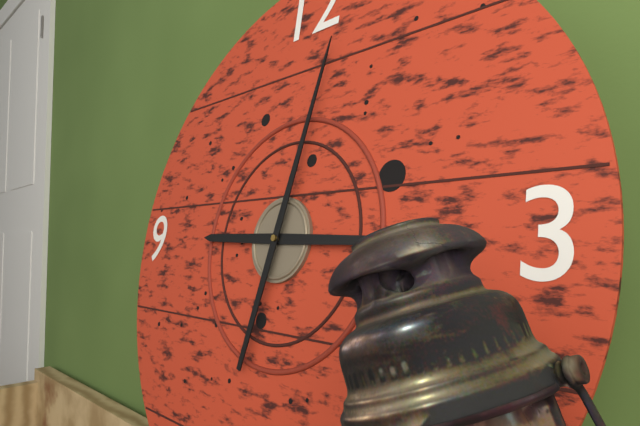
h=9 m=2
